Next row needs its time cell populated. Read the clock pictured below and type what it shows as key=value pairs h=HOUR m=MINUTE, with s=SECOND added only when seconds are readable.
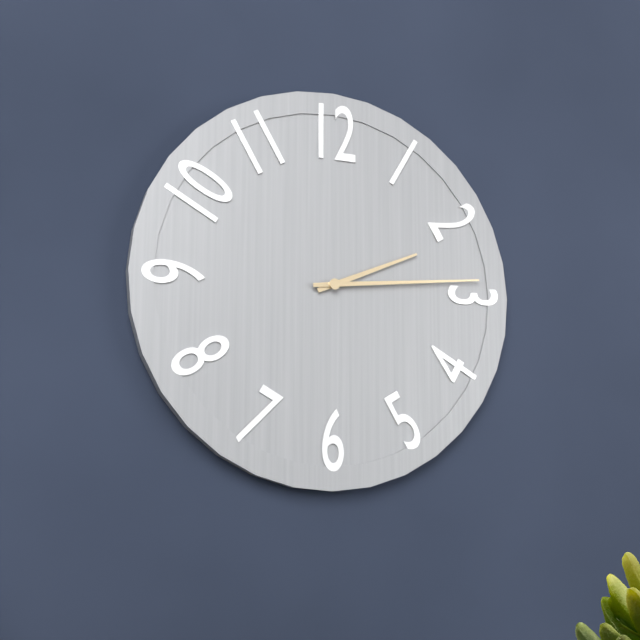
h=2 m=14
